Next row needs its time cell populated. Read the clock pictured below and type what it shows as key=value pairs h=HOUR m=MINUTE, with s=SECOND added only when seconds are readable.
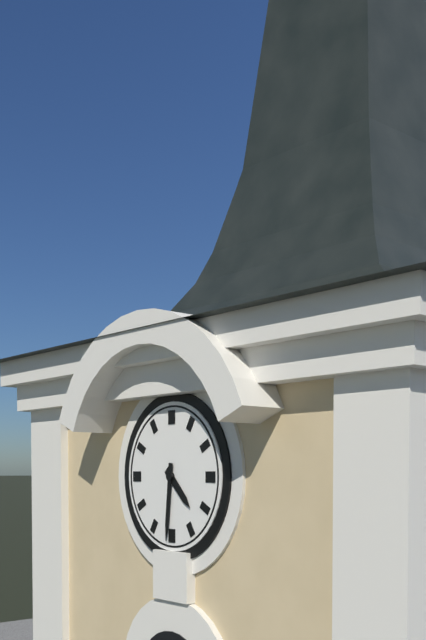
h=4 m=31
